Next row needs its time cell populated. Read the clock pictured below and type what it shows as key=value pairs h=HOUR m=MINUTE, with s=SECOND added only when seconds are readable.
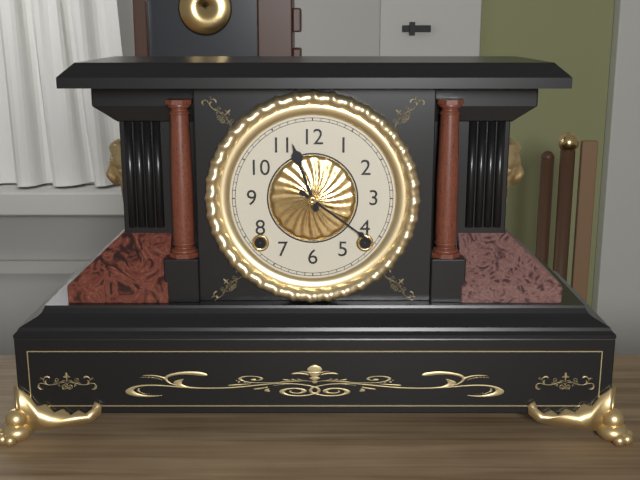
h=11 m=21
